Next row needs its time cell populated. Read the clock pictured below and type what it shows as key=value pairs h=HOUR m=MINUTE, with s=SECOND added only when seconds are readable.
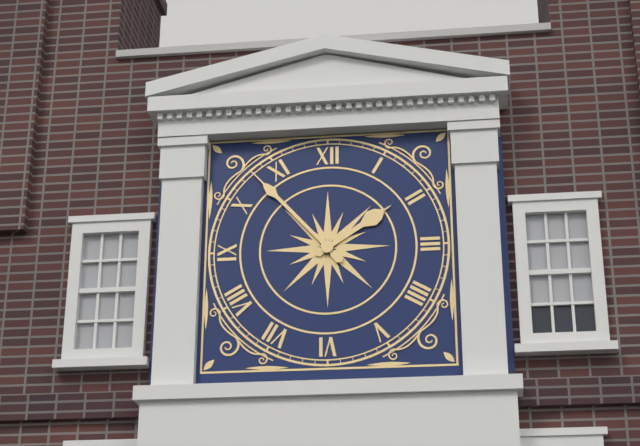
h=1 m=53
